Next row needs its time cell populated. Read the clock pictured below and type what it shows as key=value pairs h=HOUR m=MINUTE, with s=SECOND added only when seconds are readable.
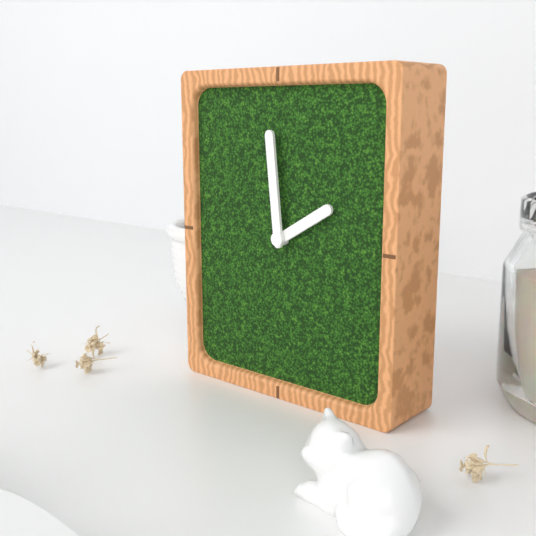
h=1 m=59
